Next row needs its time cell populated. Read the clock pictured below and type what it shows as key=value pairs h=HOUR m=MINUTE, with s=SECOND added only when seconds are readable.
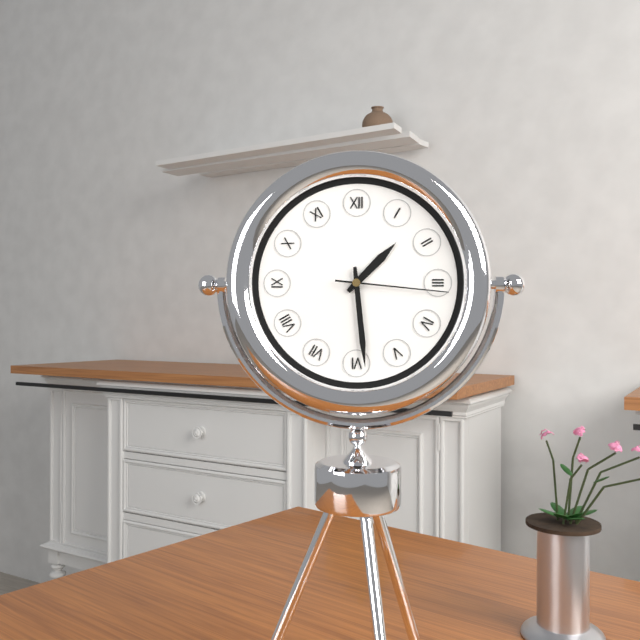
h=1 m=29 s=16
